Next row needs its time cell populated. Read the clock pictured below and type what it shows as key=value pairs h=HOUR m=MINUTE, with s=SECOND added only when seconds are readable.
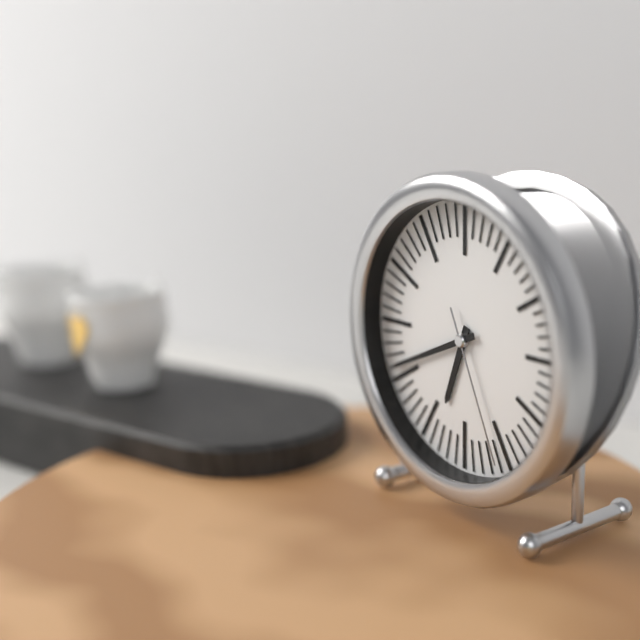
h=6 m=41 s=26
